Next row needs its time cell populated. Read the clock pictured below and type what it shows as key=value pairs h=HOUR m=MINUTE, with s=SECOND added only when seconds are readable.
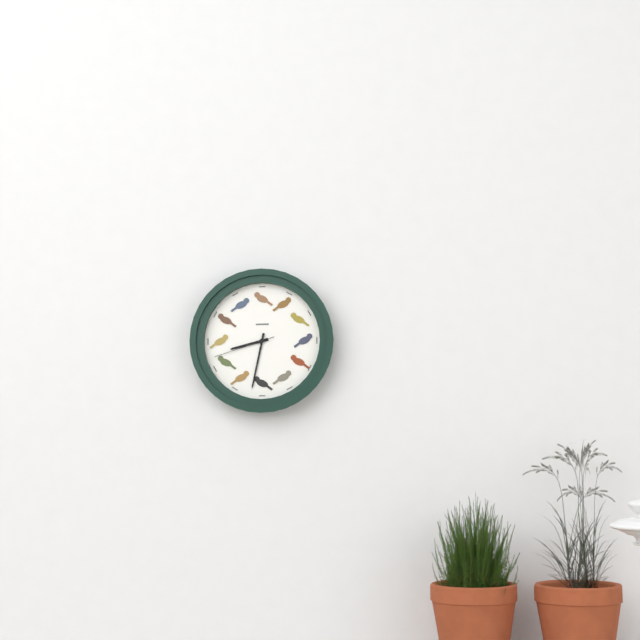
h=8 m=32 s=42
